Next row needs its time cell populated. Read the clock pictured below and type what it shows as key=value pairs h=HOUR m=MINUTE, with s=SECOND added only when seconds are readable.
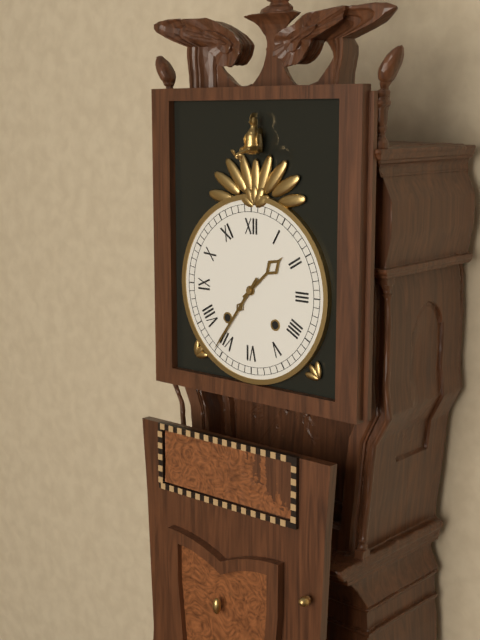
h=1 m=36
